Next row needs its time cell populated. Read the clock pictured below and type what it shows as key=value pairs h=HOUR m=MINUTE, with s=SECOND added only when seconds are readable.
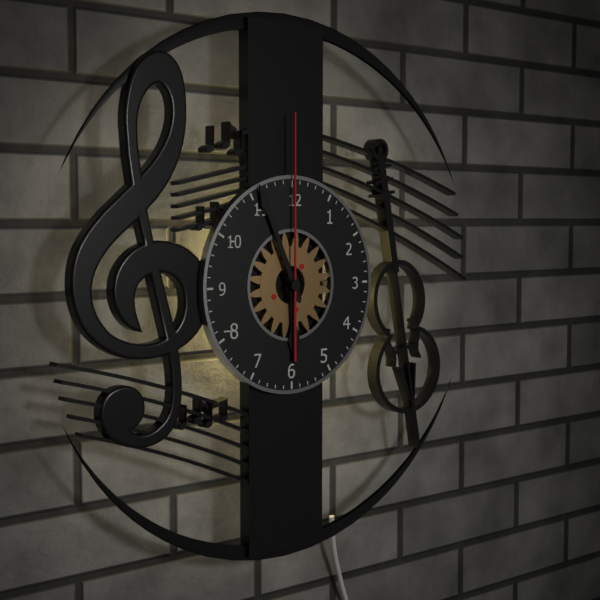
h=5 m=56 s=0
